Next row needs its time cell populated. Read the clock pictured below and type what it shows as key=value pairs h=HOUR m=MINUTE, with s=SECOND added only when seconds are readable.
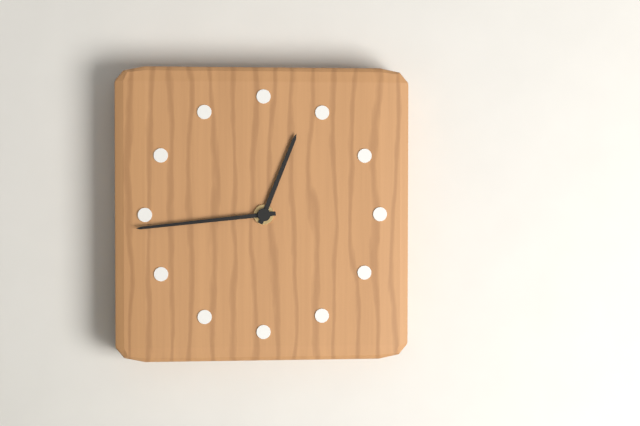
h=12 m=44
